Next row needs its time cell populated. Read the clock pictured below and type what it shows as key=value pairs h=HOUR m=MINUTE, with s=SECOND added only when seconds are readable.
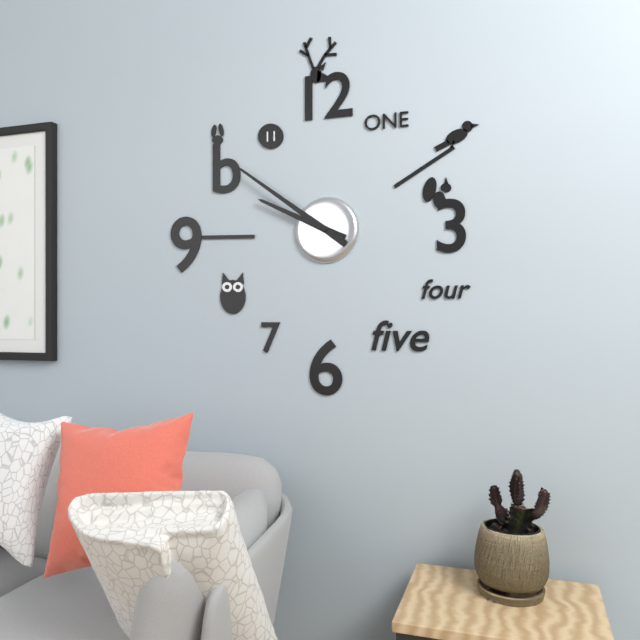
h=9 m=51
